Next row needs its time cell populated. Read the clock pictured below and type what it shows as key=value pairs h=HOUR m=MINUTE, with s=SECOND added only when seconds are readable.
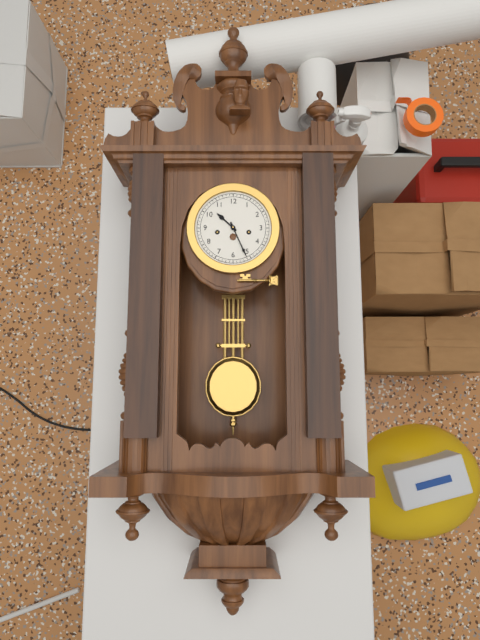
h=10 m=26
